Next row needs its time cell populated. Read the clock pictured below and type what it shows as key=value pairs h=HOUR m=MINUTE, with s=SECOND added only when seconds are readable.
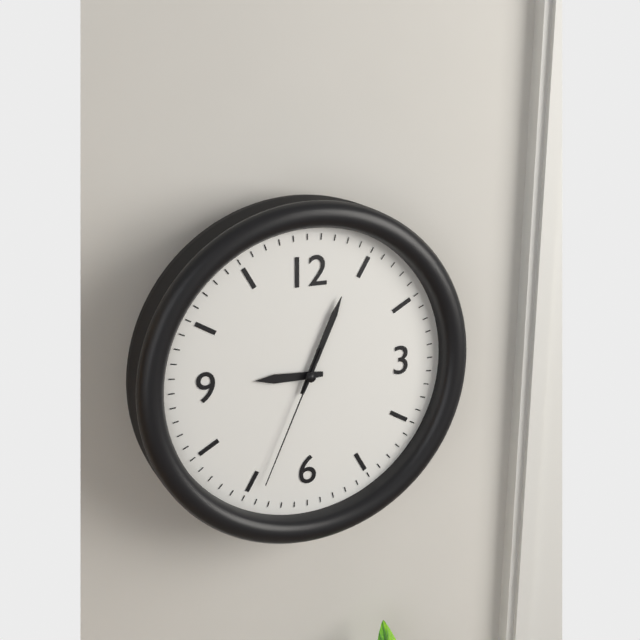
h=9 m=4 s=34
